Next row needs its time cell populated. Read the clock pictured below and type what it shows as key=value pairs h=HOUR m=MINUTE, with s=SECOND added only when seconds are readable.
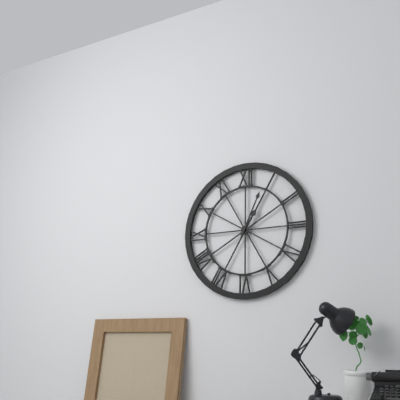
h=1 m=4
